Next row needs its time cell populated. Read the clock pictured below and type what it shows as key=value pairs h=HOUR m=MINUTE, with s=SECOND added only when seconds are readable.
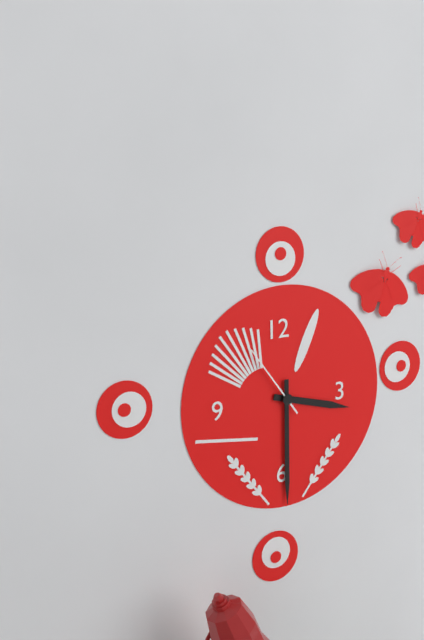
h=3 m=30 s=54
